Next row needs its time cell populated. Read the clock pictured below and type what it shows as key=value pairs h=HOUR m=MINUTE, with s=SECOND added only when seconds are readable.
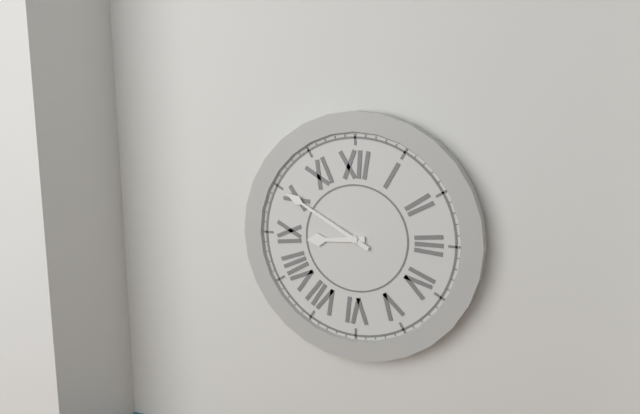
h=8 m=50
